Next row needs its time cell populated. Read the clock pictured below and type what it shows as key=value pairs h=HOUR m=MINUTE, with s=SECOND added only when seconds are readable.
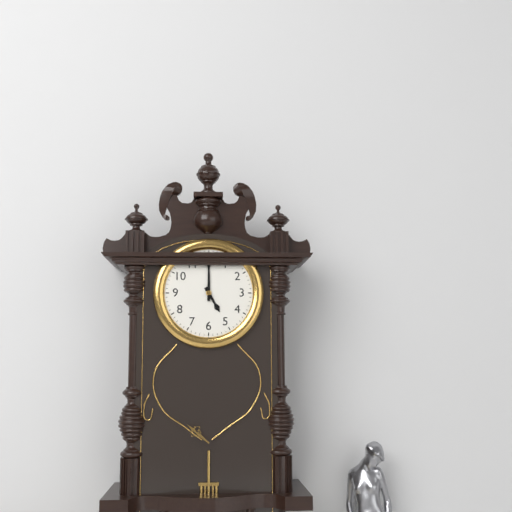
h=5 m=0
